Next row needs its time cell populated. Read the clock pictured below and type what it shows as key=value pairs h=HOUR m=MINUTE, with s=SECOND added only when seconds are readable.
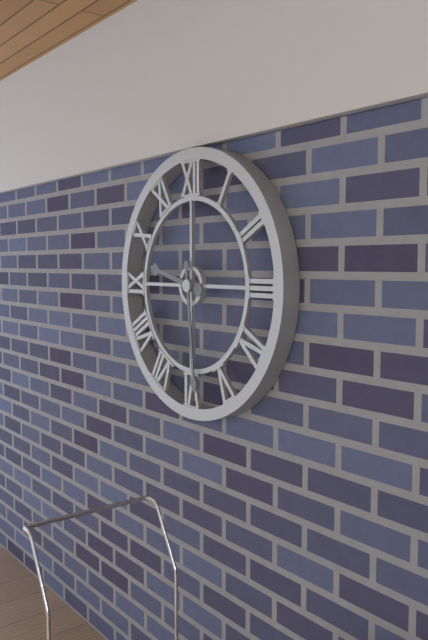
h=9 m=29
